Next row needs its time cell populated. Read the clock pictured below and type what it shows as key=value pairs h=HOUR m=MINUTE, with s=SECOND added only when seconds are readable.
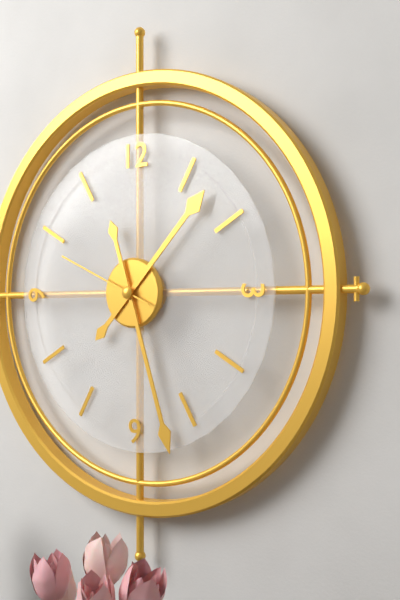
h=1 m=27 s=49
